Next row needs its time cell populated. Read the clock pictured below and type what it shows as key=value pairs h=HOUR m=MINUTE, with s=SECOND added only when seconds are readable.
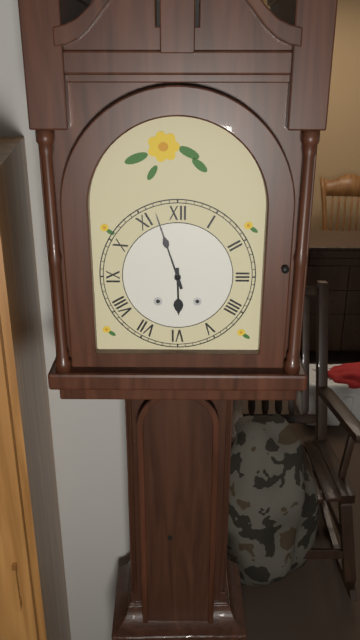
h=5 m=57
